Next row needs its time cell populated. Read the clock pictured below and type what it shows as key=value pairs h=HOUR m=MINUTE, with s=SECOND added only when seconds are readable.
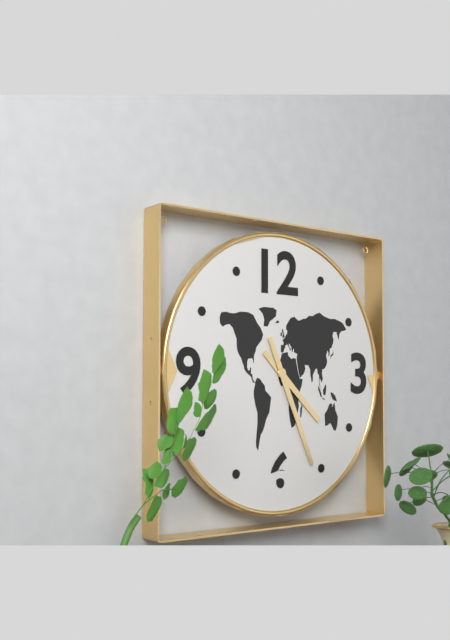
h=4 m=26
